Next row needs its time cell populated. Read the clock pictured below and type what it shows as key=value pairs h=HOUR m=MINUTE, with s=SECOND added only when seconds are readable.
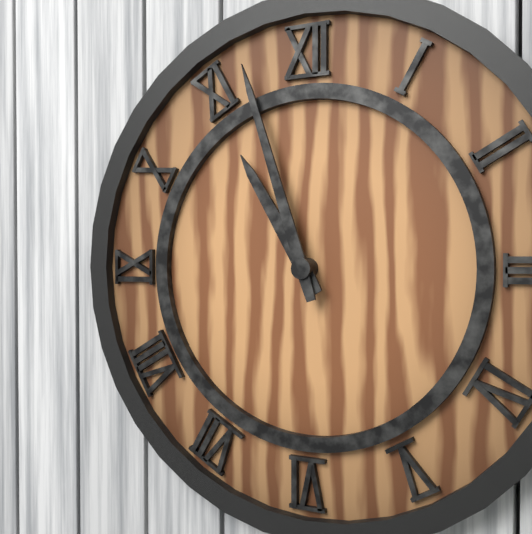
h=10 m=57
